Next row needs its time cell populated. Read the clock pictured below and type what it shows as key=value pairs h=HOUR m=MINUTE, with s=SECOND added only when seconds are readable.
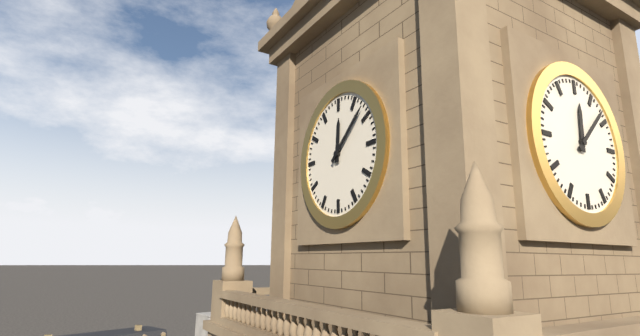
h=12 m=8
